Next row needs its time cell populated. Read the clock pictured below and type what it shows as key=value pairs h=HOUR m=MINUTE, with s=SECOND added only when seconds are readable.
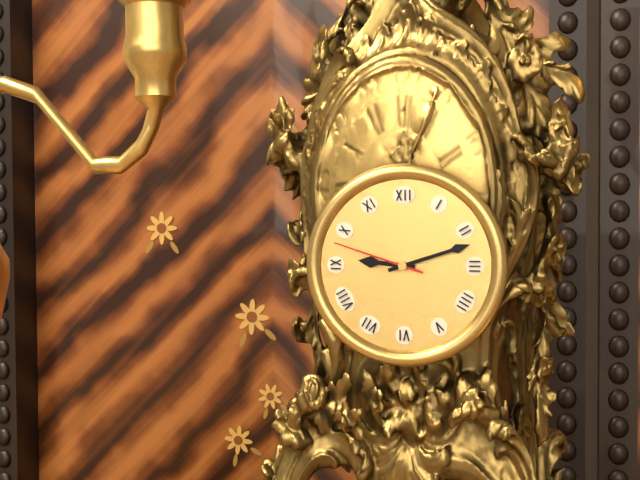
h=9 m=12 s=48
